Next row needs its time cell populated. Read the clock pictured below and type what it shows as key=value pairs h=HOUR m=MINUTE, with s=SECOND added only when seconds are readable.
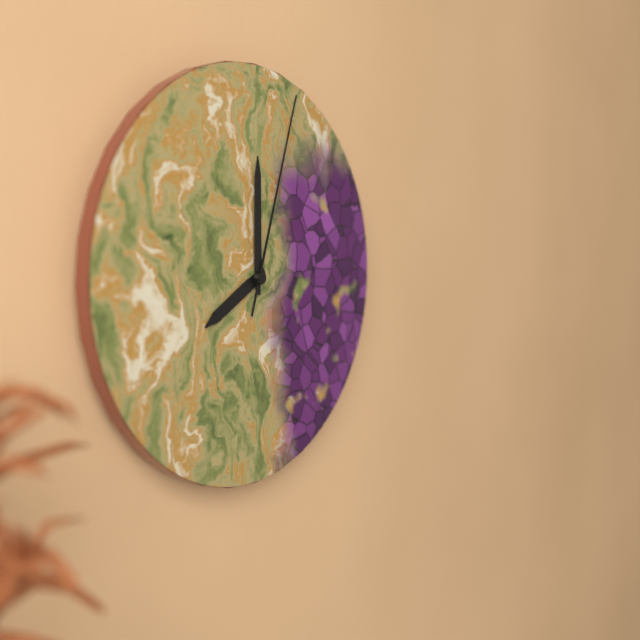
h=8 m=0 s=3
